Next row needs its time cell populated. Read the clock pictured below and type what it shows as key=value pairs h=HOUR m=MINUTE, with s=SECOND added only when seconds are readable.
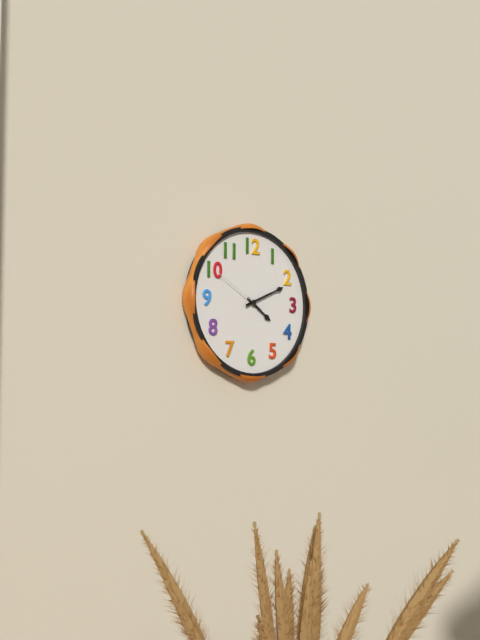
h=4 m=11 s=50
